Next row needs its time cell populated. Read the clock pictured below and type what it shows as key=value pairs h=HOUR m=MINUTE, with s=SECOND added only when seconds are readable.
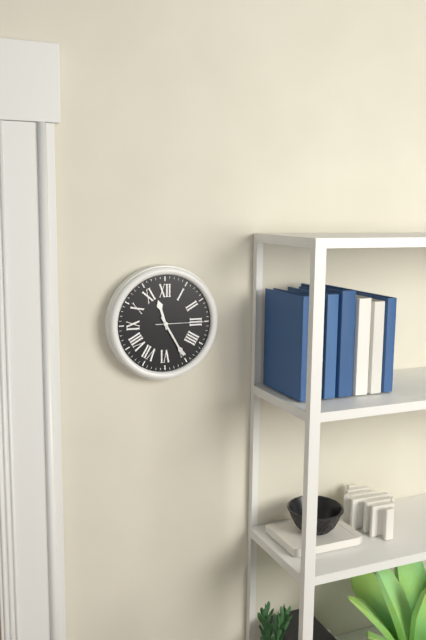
h=11 m=25 s=15
